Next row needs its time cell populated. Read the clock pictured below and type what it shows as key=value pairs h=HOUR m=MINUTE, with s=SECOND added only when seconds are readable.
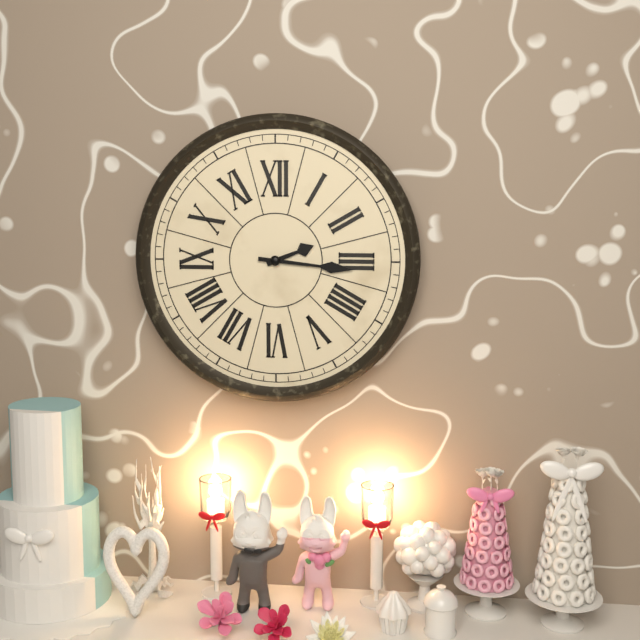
h=2 m=16
